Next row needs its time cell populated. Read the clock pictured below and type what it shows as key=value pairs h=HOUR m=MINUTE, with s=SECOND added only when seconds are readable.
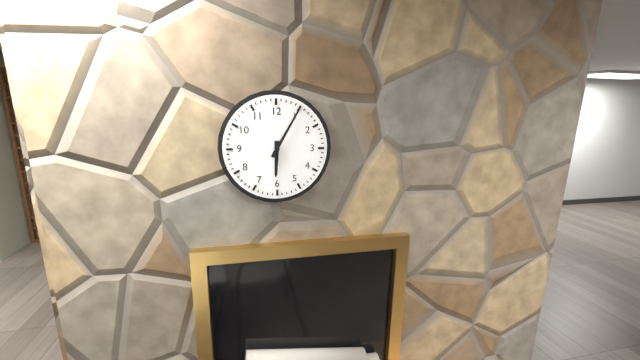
h=6 m=5
